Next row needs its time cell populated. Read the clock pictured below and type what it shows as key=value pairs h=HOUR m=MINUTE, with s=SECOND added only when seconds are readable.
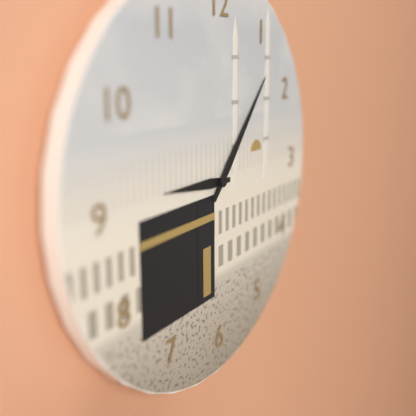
h=9 m=7
